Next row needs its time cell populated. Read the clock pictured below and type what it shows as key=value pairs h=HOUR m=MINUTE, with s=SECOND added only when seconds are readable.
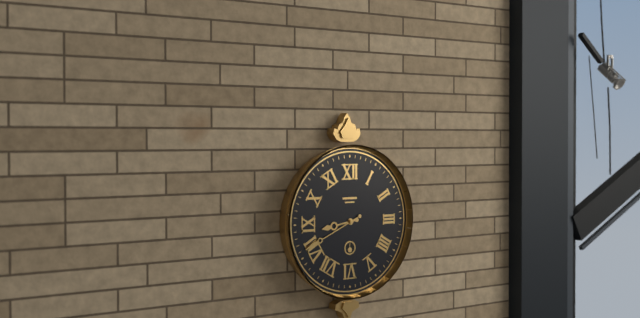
h=8 m=41
